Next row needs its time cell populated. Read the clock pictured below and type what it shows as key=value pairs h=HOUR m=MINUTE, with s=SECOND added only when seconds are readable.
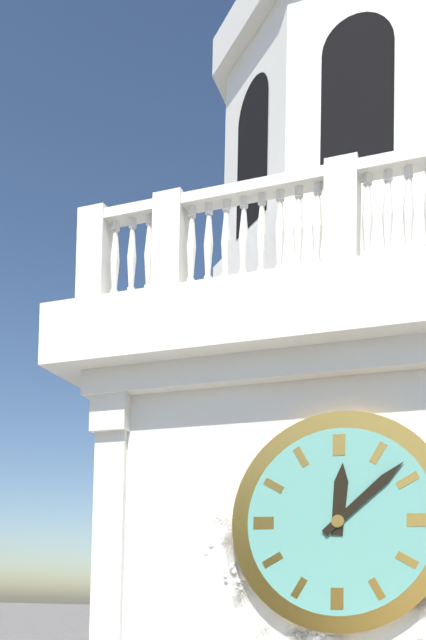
h=12 m=8
